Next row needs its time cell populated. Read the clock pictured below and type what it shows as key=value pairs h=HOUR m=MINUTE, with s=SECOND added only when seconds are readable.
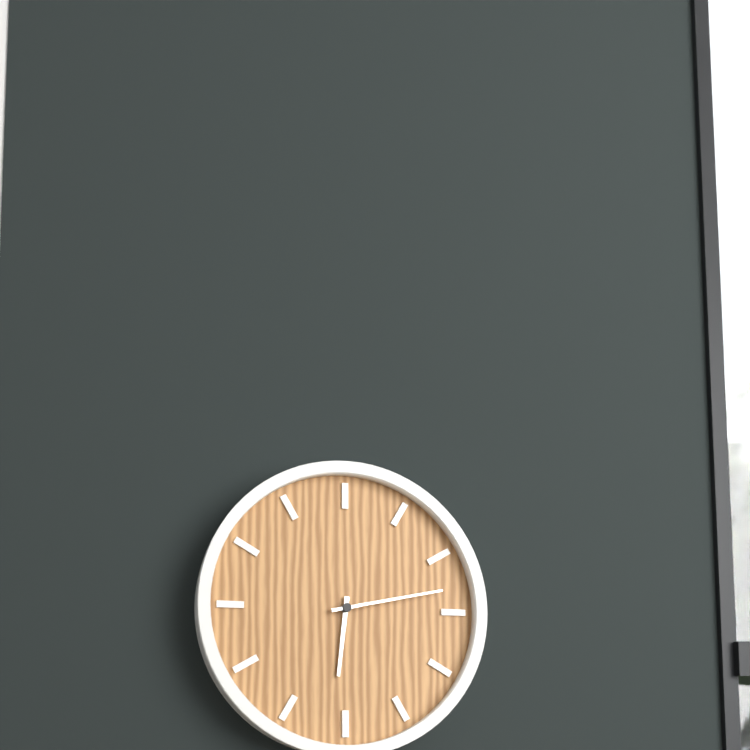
h=6 m=13
